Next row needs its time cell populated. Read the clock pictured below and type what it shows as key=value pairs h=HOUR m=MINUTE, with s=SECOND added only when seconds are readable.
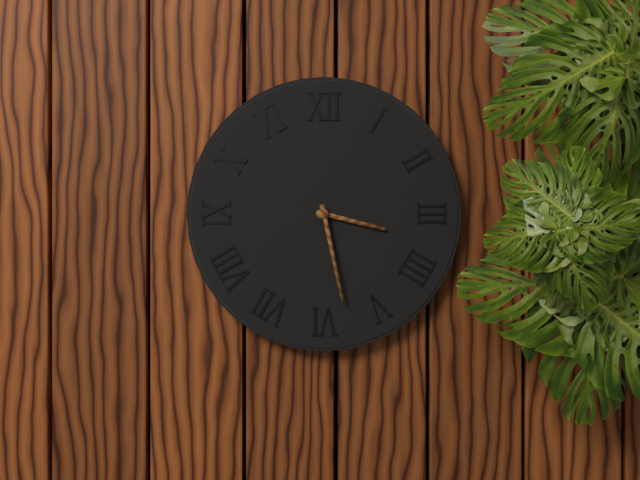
h=3 m=28
